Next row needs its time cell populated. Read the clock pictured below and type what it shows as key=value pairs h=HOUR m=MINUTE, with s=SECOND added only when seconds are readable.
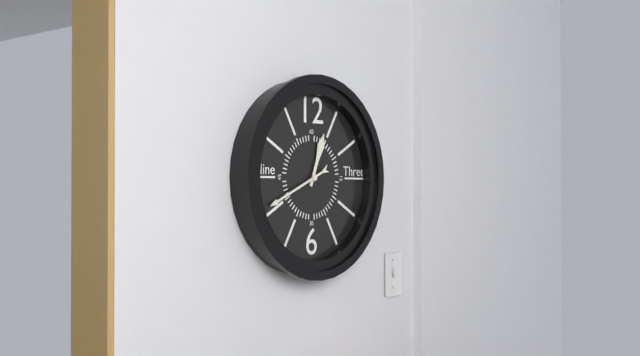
h=12 m=41
